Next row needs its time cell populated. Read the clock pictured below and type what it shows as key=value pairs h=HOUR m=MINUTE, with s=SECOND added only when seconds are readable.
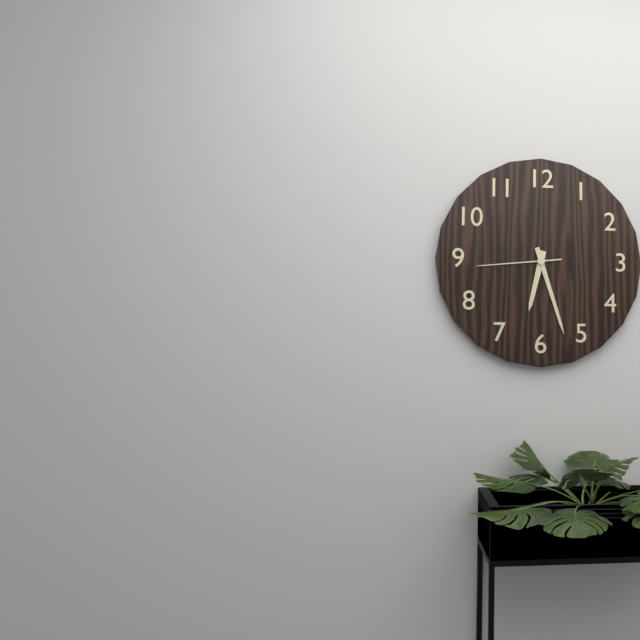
h=6 m=27 s=44
